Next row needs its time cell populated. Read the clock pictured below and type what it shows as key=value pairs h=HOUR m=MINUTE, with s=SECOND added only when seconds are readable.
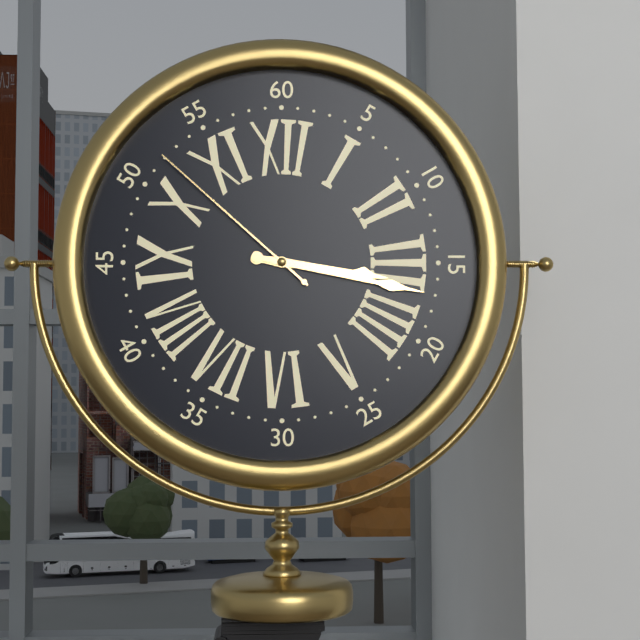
h=3 m=17 s=52
